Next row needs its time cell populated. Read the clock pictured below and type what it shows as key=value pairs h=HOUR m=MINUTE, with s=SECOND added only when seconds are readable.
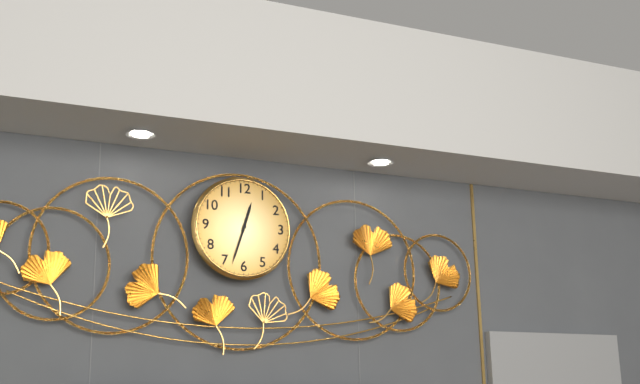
h=12 m=33
